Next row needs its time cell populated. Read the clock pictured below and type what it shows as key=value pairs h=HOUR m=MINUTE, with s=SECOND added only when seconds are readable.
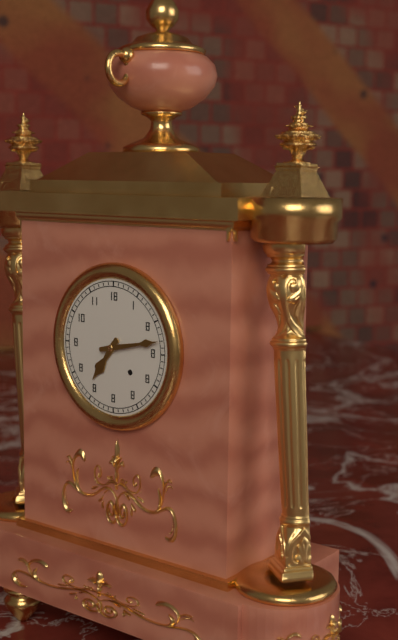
h=7 m=13
